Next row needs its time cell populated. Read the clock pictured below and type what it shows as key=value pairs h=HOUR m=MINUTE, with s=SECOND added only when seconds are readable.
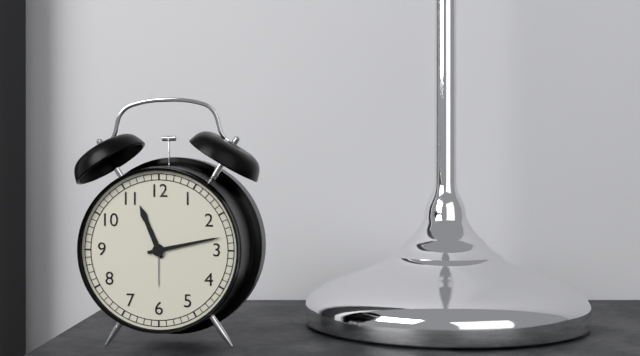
h=11 m=13
